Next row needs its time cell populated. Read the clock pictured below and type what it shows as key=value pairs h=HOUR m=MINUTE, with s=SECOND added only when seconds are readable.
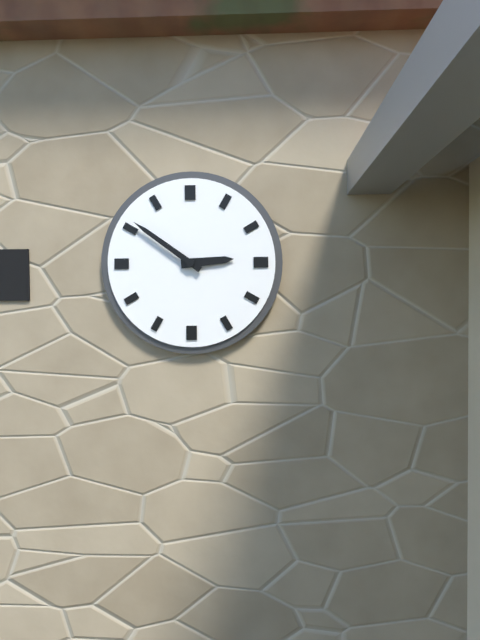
h=2 m=51
